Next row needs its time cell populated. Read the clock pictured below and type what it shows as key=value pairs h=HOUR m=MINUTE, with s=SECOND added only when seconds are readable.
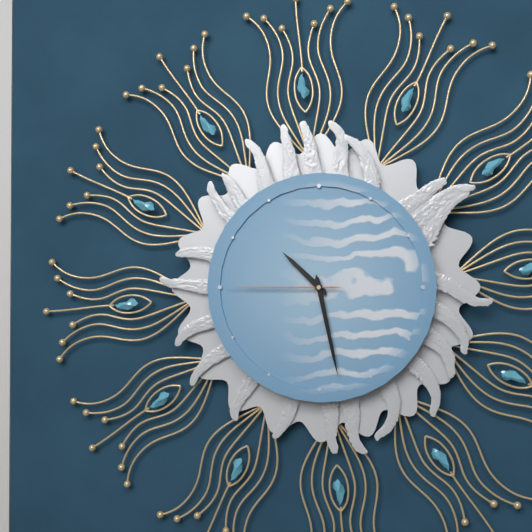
h=10 m=28 s=45
